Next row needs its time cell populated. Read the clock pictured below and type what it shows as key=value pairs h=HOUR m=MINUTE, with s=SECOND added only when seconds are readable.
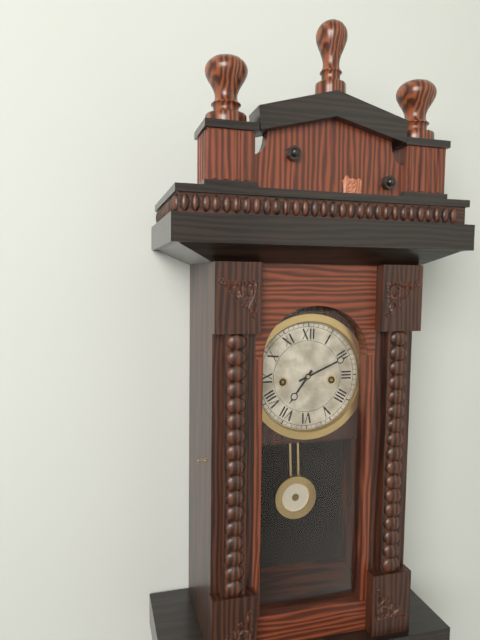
h=7 m=11
